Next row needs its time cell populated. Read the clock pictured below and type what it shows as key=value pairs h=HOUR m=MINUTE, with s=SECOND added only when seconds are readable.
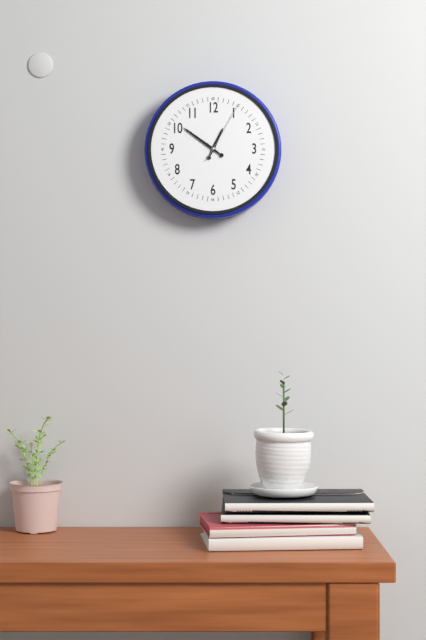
h=12 m=51 s=5
